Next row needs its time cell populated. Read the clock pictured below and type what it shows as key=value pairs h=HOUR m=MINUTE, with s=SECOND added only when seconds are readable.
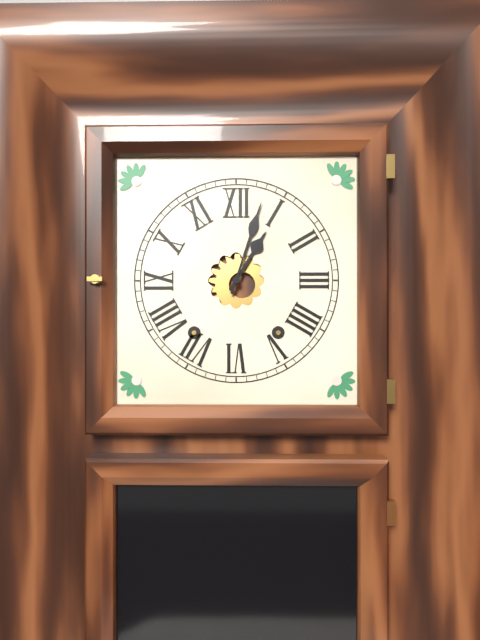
h=1 m=3
